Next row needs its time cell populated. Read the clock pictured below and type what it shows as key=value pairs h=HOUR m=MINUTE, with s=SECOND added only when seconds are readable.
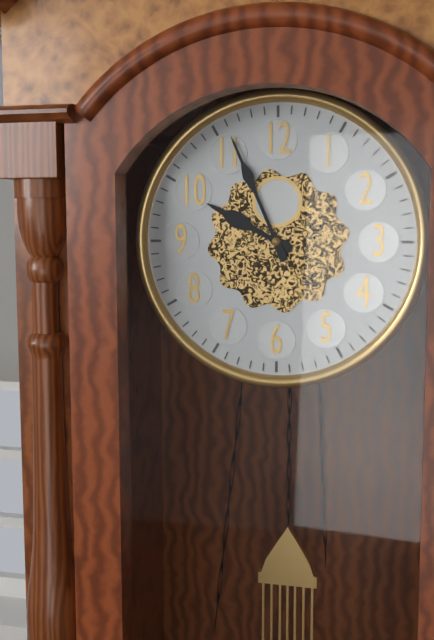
h=9 m=56
